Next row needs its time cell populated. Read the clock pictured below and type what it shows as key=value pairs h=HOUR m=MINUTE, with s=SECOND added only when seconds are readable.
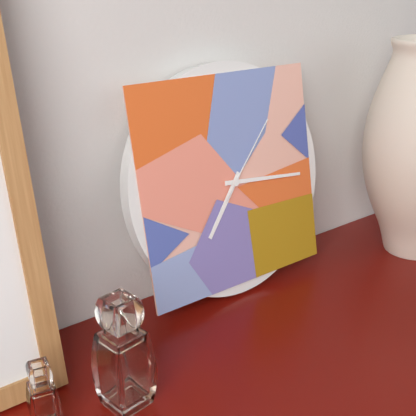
h=7 m=16 s=7
